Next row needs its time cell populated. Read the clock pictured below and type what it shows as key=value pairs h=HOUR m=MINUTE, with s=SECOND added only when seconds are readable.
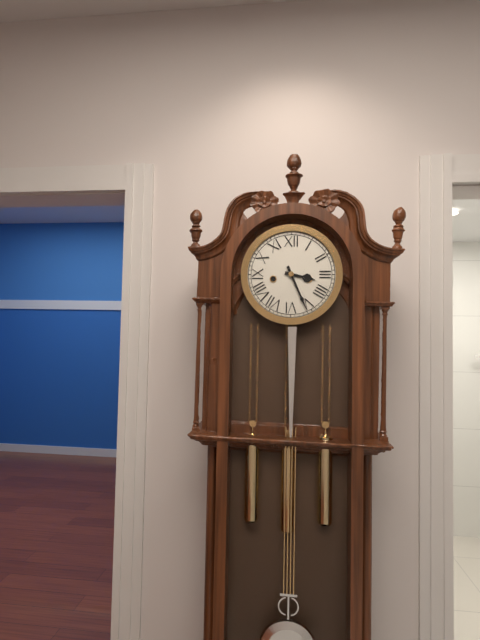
h=3 m=26
